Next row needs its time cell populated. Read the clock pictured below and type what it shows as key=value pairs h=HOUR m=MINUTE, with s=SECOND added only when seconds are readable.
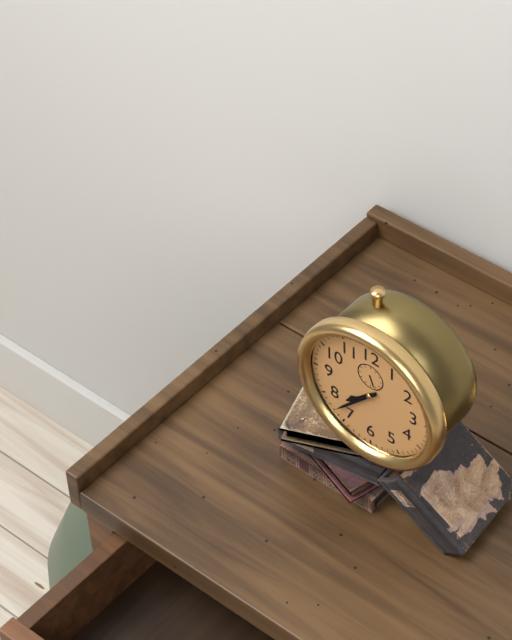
h=7 m=37
